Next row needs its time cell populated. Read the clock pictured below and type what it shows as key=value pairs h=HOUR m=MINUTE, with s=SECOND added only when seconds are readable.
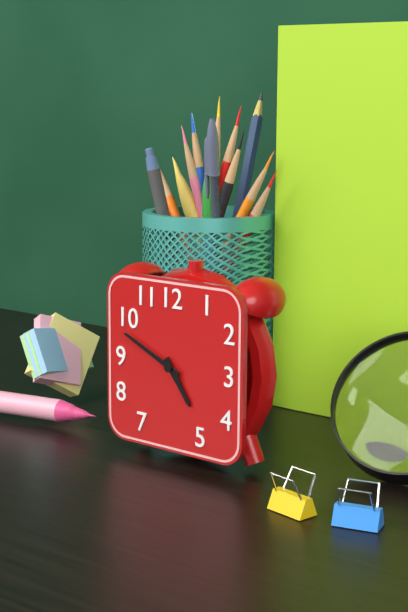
h=4 m=49
